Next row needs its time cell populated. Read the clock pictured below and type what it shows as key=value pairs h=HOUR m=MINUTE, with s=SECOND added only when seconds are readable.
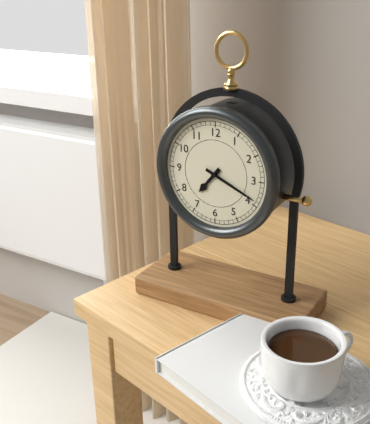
h=7 m=19
